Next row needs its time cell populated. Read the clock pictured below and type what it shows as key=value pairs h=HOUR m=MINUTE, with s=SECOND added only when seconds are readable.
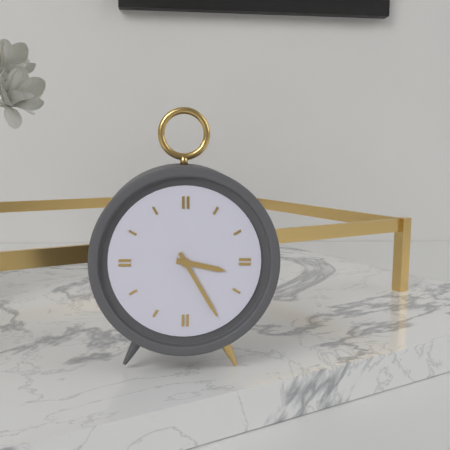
h=3 m=25
